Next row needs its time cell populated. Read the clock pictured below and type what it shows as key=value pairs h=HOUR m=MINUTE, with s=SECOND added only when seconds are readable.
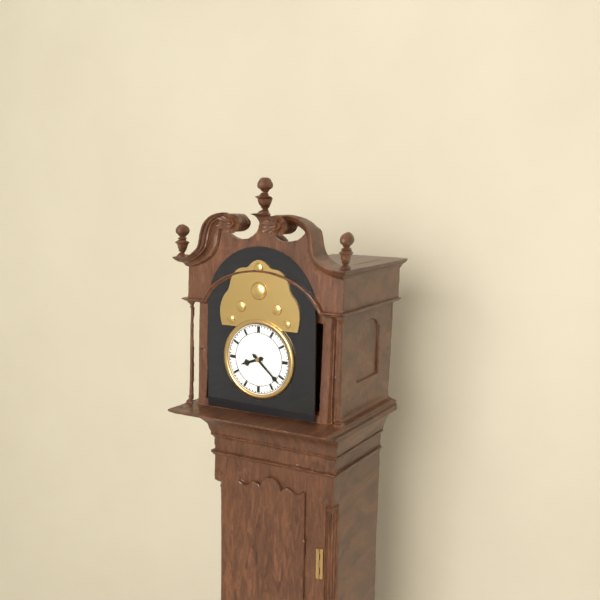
h=8 m=22
